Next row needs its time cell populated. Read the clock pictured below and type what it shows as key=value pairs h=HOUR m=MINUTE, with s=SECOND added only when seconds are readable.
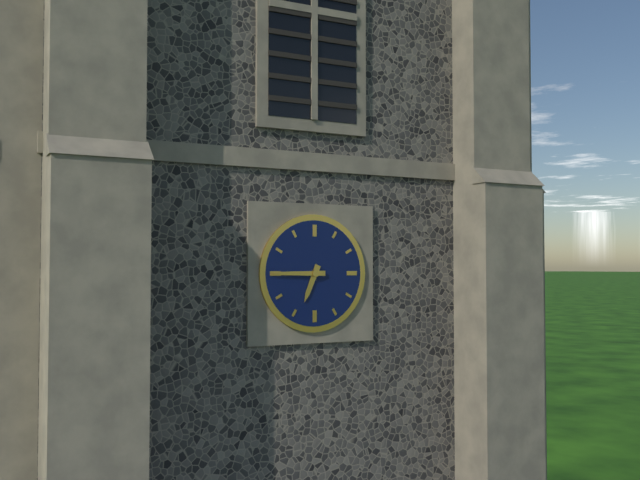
h=6 m=45
